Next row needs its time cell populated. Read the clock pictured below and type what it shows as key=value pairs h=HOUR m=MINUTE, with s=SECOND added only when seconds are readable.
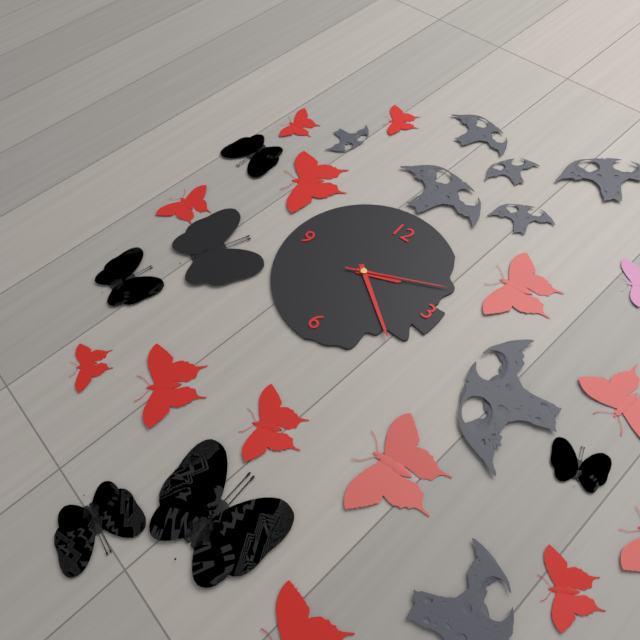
h=2 m=21 s=11
